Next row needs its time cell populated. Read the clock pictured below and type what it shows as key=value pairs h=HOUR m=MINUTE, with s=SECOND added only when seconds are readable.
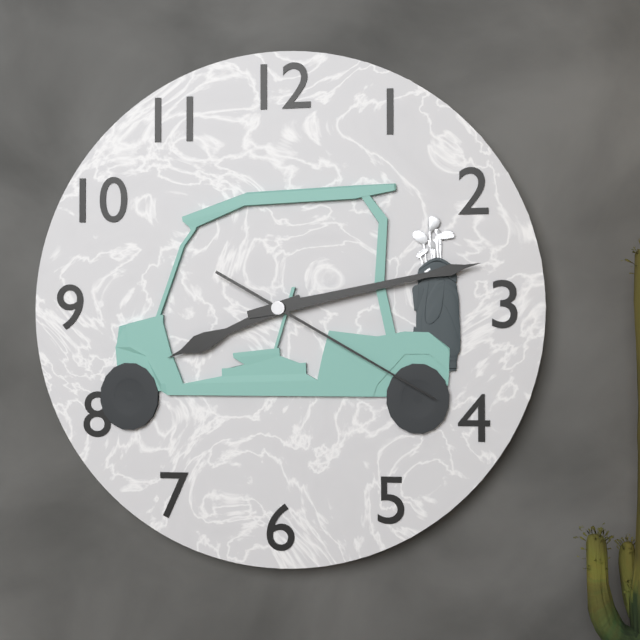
h=8 m=13 s=20
